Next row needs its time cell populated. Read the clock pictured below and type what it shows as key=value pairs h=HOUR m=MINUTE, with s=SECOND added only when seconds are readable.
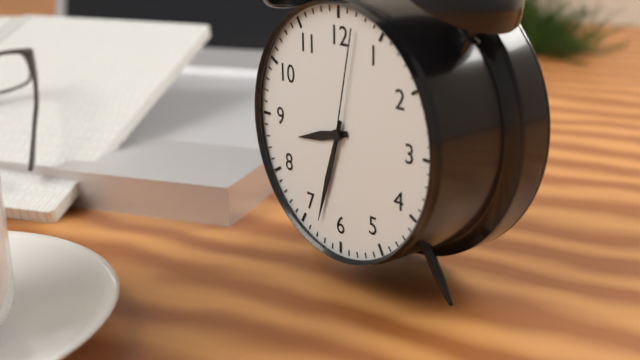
h=8 m=33 s=2
